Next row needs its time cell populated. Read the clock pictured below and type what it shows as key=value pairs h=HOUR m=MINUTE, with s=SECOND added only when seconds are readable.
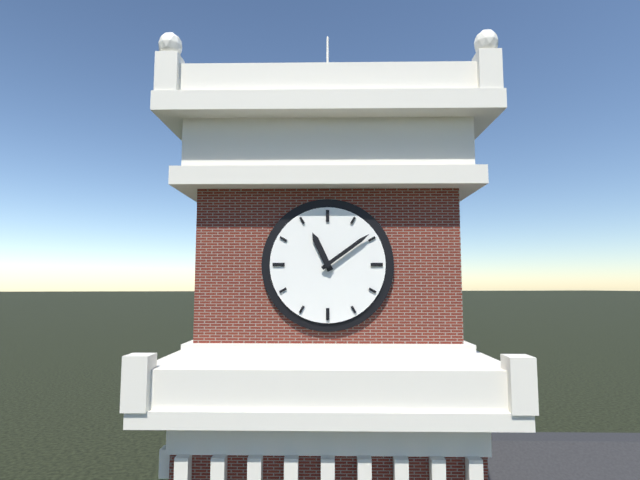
h=11 m=9
